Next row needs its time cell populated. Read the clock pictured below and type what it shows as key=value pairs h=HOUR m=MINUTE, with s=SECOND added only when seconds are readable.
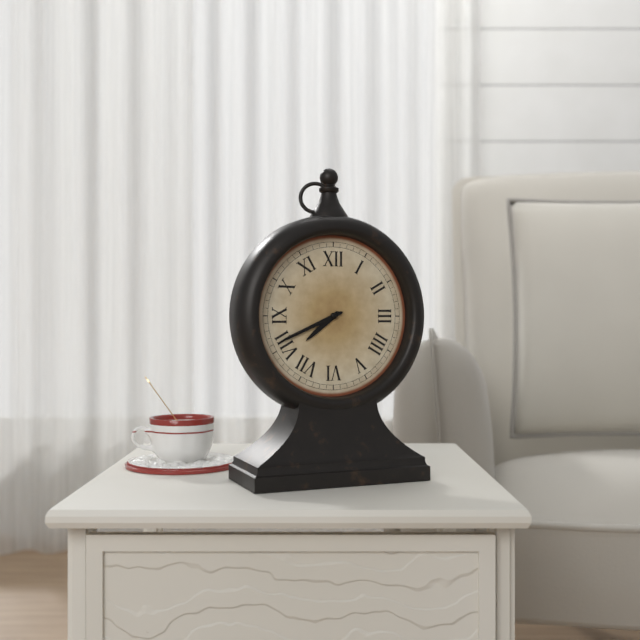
h=7 m=41
